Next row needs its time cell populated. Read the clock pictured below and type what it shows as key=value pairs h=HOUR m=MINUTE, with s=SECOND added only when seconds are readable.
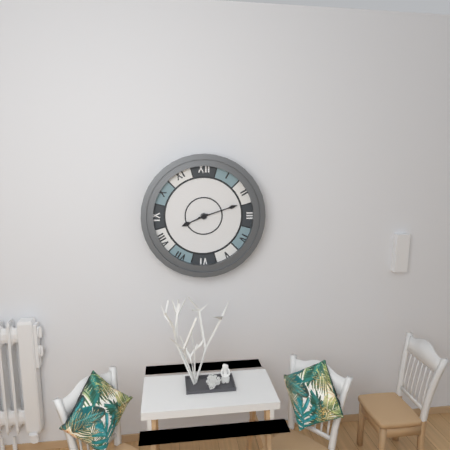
h=8 m=12
